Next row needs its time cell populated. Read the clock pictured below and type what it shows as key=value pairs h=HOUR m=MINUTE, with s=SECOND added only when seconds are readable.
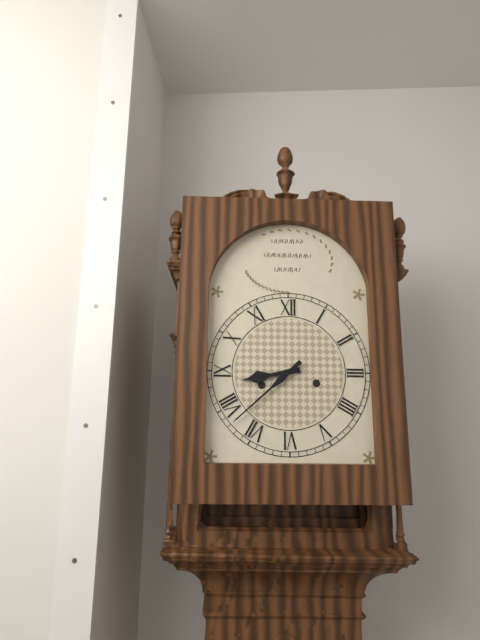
h=8 m=38
